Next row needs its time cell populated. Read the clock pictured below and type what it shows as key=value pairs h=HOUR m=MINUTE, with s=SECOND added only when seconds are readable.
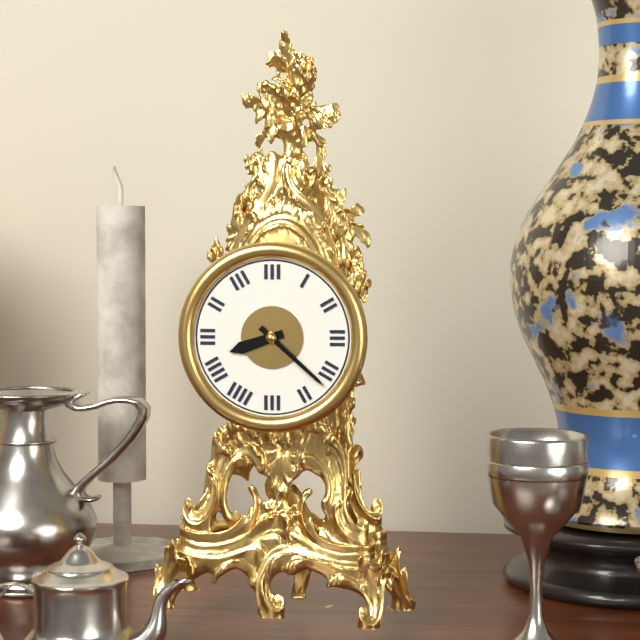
h=8 m=22
